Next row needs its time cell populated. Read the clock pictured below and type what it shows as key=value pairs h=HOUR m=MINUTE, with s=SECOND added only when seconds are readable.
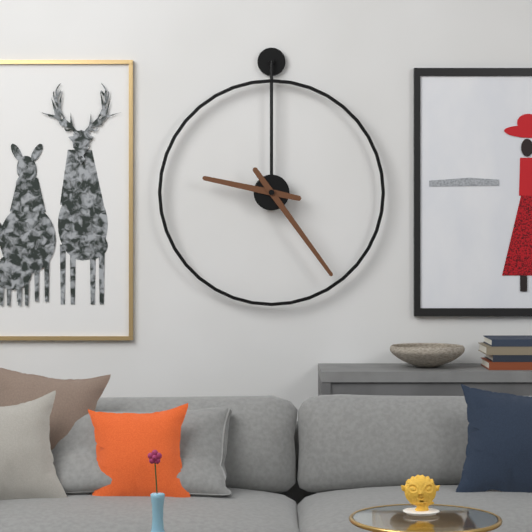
h=9 m=24
